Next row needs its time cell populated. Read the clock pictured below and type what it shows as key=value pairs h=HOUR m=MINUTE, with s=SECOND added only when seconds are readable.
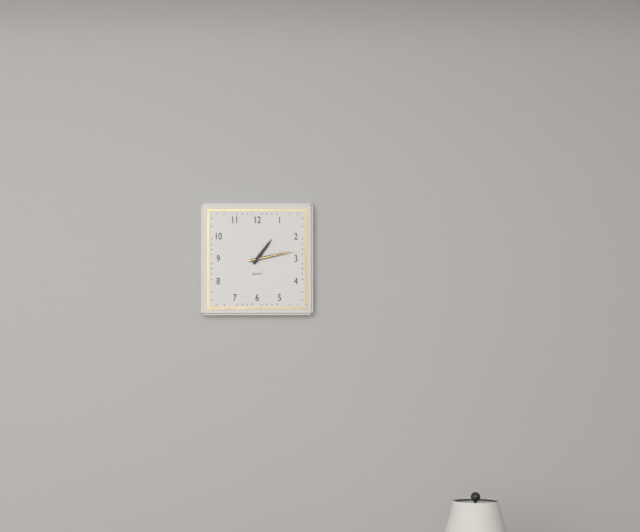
h=1 m=13
